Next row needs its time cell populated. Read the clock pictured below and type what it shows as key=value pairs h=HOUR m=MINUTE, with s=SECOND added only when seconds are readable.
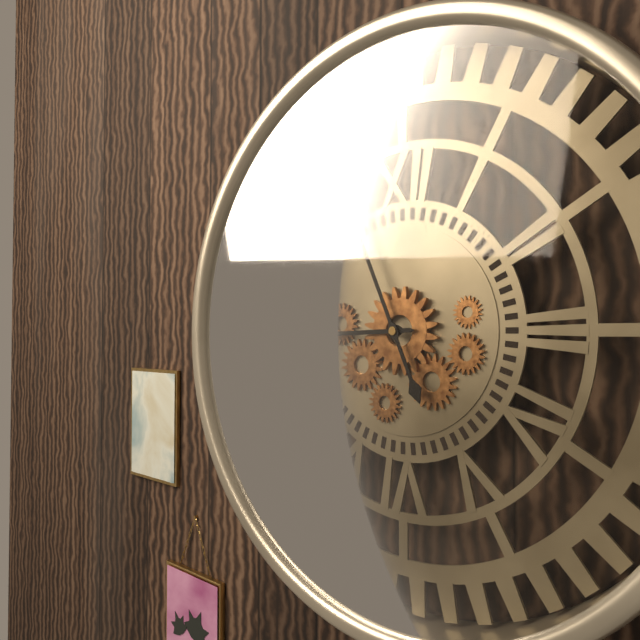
h=8 m=56
